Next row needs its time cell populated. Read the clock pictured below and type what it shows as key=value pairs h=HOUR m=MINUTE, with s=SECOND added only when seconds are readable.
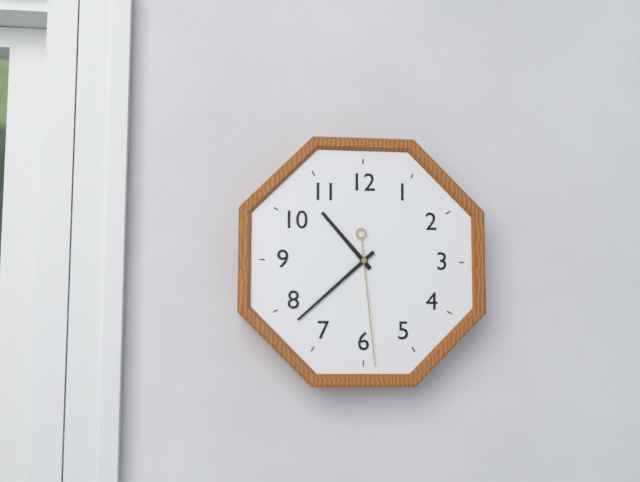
h=10 m=38 s=29
